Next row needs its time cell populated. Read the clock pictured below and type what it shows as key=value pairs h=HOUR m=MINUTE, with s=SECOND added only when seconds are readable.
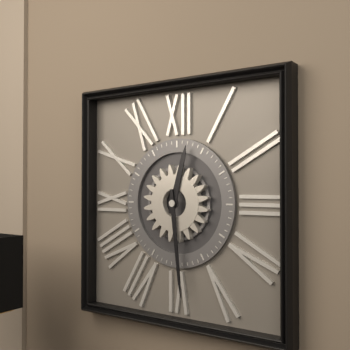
h=12 m=29
